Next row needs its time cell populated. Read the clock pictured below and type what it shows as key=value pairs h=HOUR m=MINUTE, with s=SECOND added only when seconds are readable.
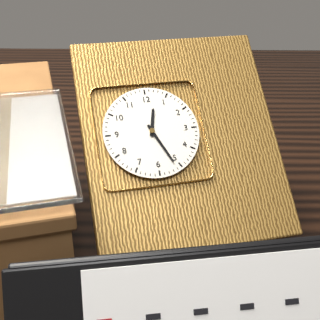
h=12 m=26
